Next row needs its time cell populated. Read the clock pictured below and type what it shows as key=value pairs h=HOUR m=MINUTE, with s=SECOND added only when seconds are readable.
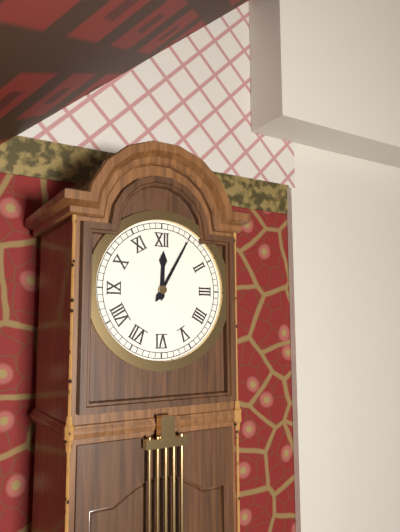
h=12 m=5
